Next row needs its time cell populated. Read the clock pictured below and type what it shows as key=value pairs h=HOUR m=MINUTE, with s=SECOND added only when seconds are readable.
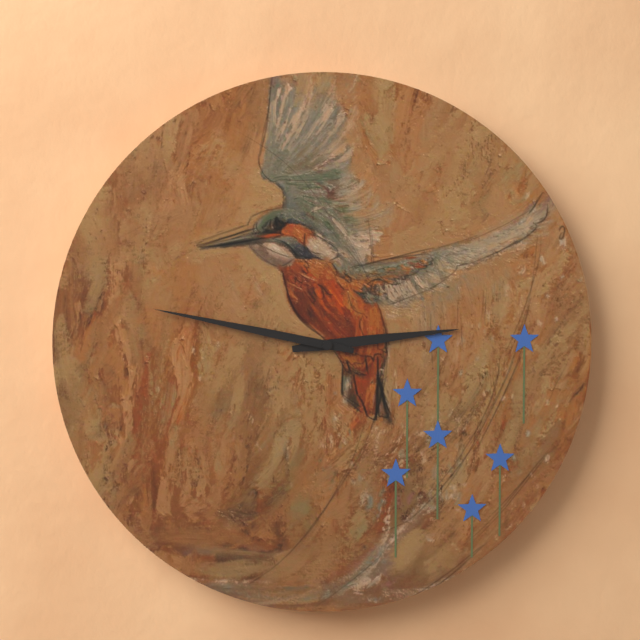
h=2 m=47
